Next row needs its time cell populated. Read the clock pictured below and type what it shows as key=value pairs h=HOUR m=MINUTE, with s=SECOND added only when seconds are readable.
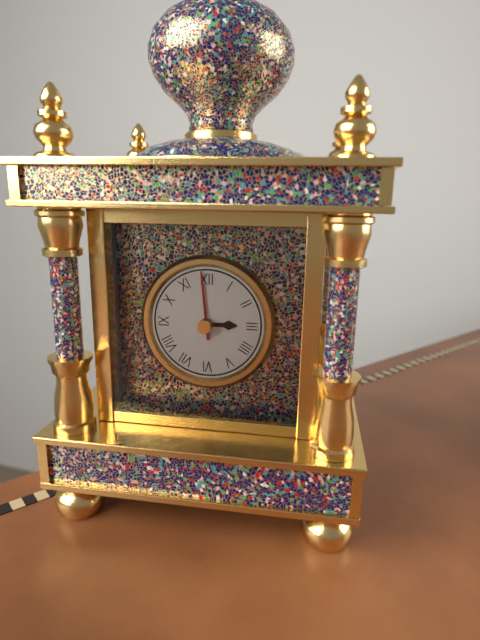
h=2 m=59
